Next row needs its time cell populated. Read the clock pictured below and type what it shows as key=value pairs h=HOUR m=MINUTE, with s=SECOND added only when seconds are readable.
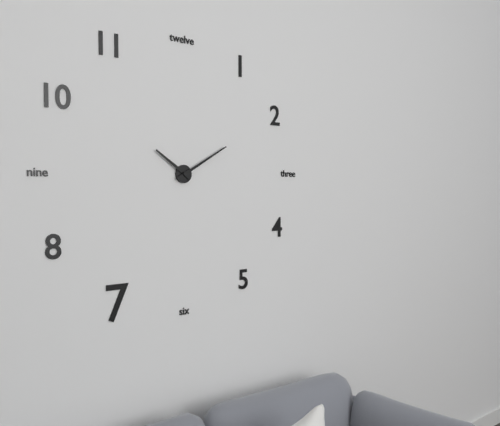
h=10 m=10
